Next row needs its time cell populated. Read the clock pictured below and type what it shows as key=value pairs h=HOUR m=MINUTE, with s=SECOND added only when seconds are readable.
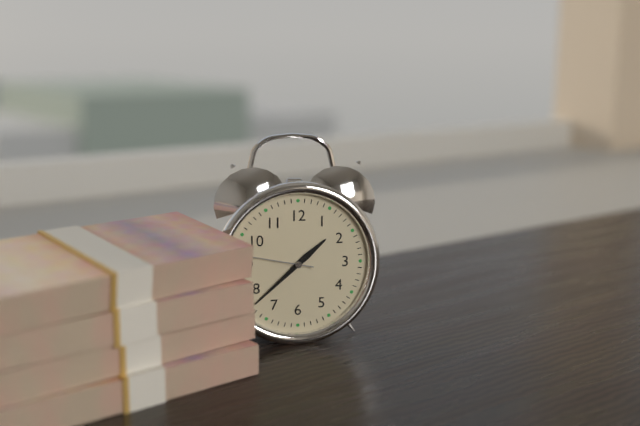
h=1 m=38 s=47
